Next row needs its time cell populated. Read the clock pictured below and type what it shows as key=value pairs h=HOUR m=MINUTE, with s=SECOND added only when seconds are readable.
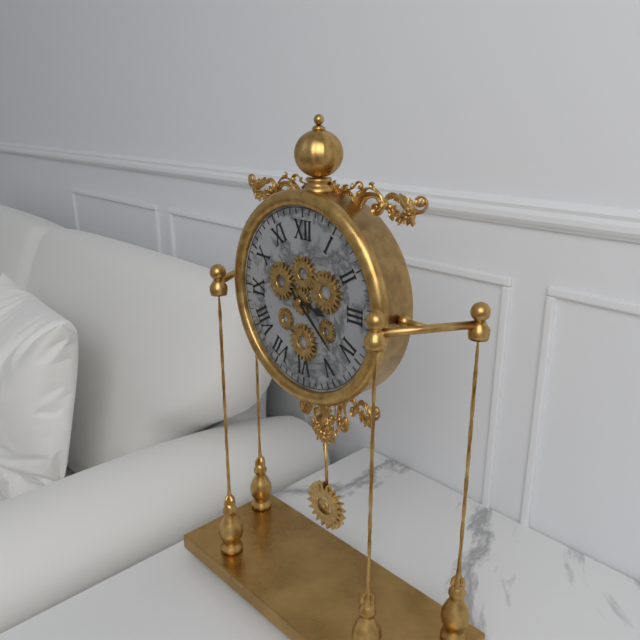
h=3 m=22
